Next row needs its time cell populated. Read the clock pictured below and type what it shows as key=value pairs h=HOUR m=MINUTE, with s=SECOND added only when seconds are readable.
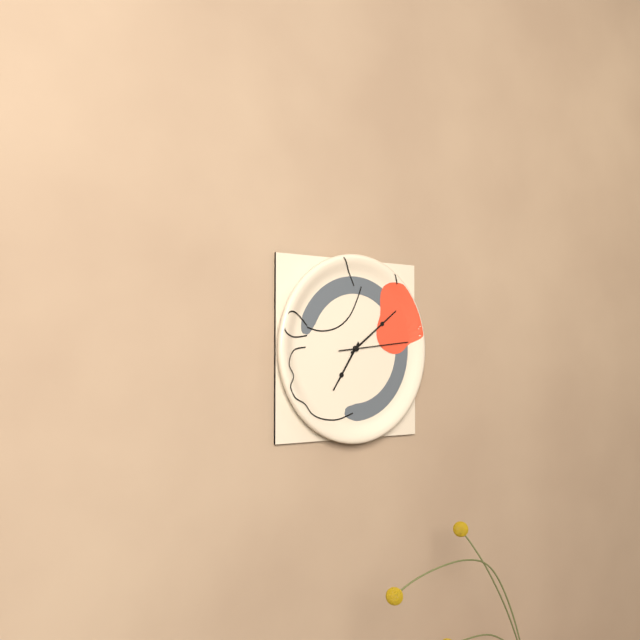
h=7 m=9 s=14
